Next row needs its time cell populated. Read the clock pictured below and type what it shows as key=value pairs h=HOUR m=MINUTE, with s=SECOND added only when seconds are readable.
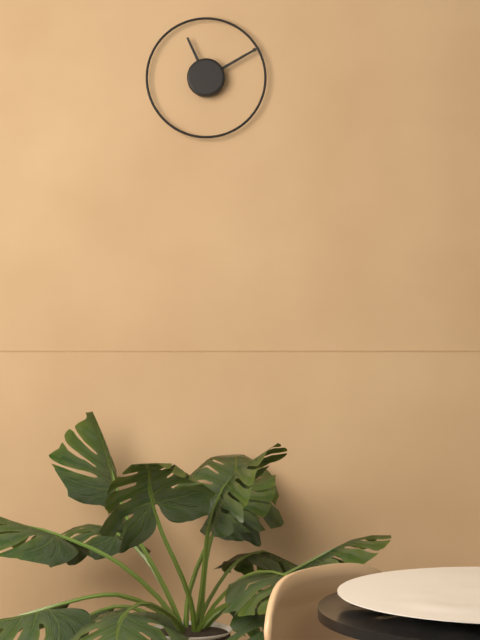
h=11 m=10
